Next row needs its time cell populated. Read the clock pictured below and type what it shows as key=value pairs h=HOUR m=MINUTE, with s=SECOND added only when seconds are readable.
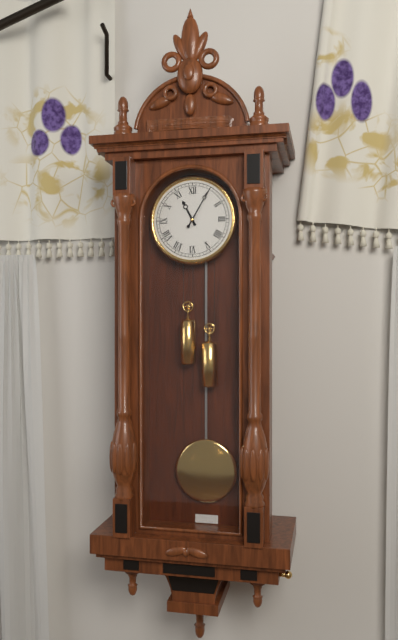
h=11 m=5
